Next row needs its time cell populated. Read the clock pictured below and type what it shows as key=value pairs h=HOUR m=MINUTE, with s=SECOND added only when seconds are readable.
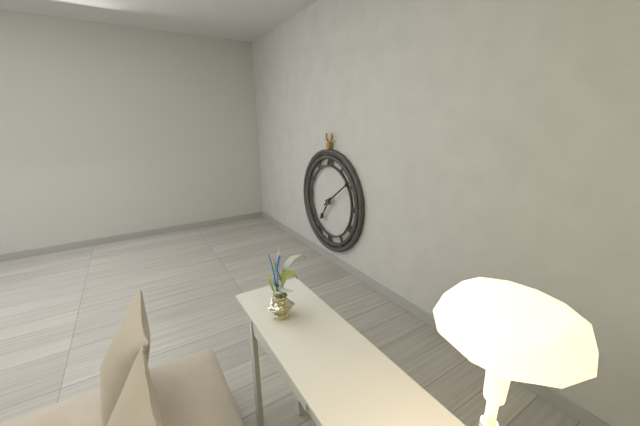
h=7 m=9
